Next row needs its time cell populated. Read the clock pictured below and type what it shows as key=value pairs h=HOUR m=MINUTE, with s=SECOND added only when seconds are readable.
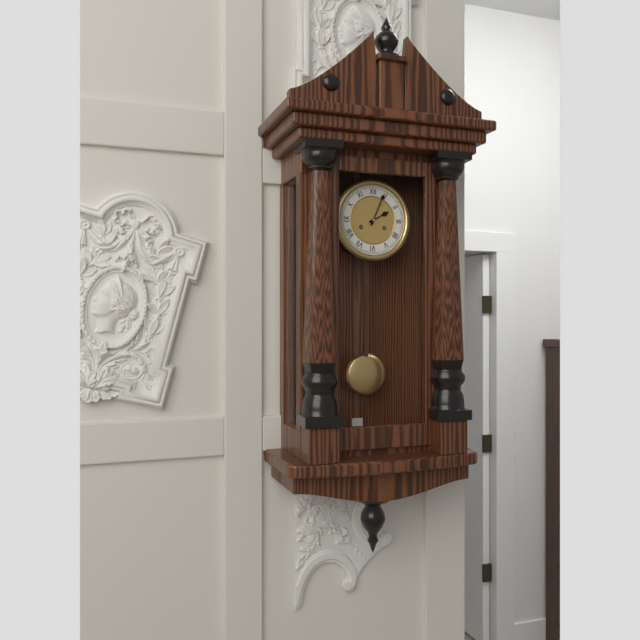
h=2 m=4
